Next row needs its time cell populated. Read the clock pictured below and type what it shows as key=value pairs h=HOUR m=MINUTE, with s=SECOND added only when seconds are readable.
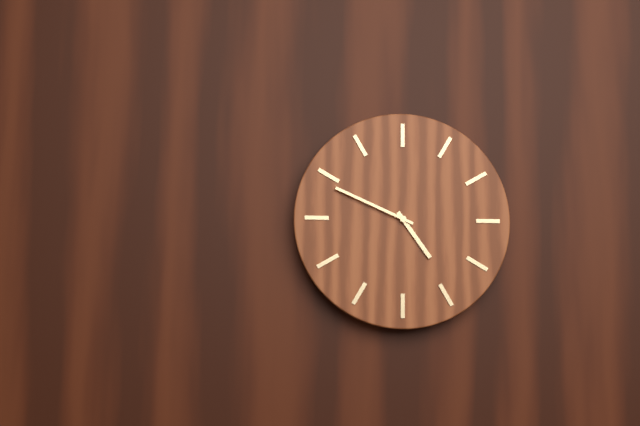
h=4 m=49
